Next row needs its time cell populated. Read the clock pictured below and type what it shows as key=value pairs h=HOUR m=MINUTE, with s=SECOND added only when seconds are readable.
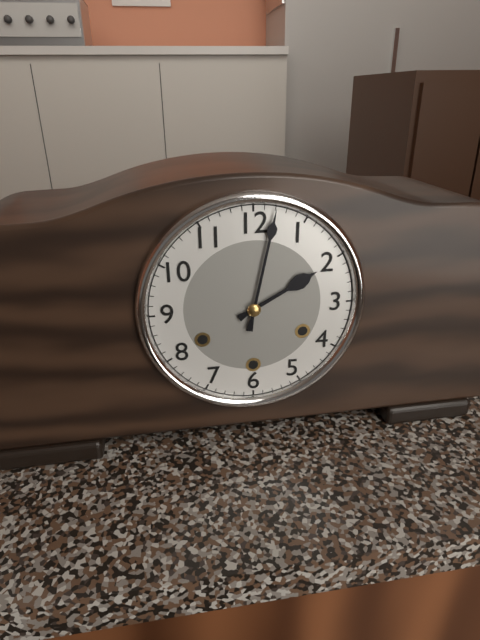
h=2 m=2
